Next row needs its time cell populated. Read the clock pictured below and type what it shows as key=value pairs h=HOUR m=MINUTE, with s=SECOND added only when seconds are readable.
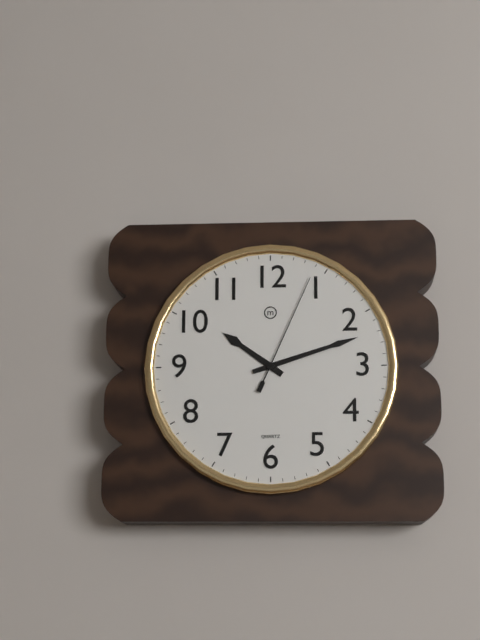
h=10 m=12 s=4
